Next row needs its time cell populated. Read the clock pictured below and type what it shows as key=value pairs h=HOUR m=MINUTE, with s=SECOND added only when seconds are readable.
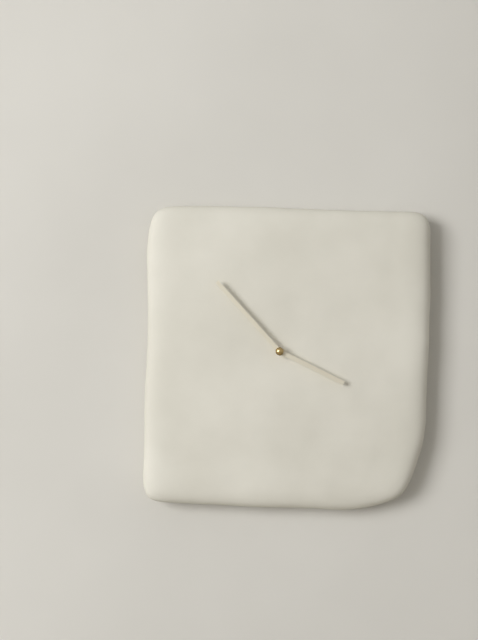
h=3 m=53
